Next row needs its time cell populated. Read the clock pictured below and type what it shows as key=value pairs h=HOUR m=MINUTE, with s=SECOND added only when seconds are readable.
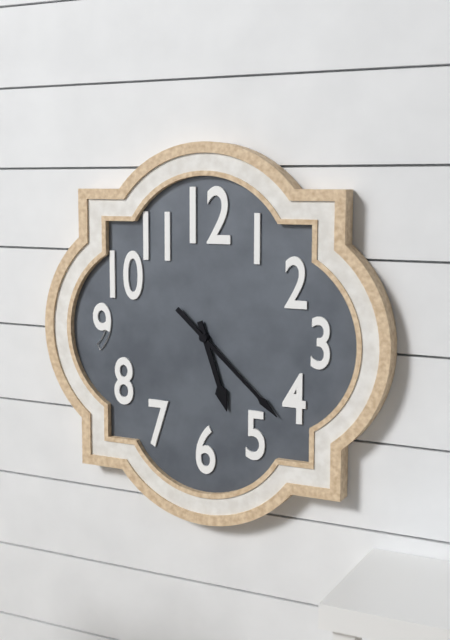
h=5 m=22
